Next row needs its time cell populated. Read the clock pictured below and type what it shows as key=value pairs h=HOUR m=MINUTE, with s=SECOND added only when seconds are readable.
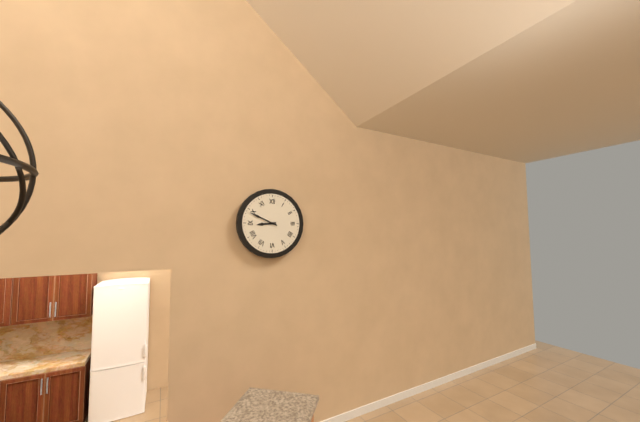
h=8 m=49
